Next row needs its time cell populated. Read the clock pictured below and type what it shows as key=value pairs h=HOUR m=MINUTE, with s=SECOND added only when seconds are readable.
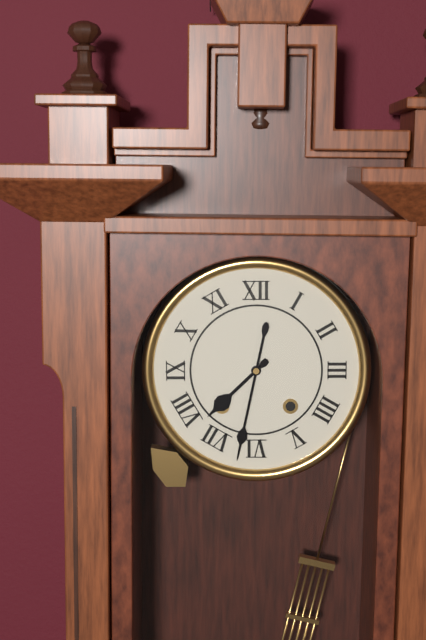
h=7 m=32
